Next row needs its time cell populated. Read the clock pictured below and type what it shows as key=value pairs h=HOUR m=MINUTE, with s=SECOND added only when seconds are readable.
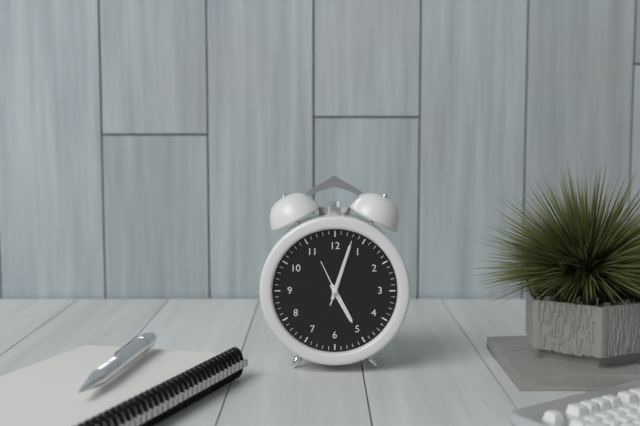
h=5 m=3 s=3
